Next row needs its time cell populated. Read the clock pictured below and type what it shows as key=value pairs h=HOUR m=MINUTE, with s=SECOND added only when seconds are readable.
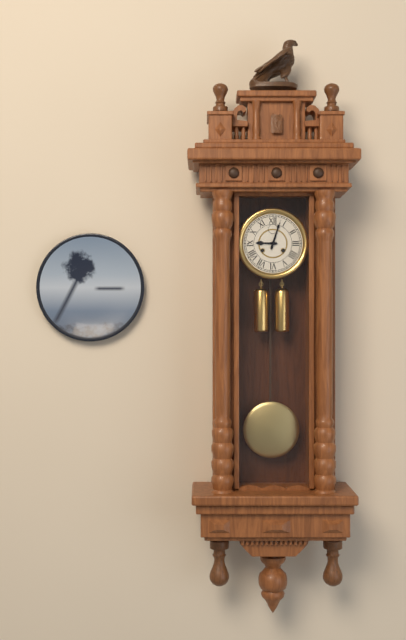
h=9 m=3
